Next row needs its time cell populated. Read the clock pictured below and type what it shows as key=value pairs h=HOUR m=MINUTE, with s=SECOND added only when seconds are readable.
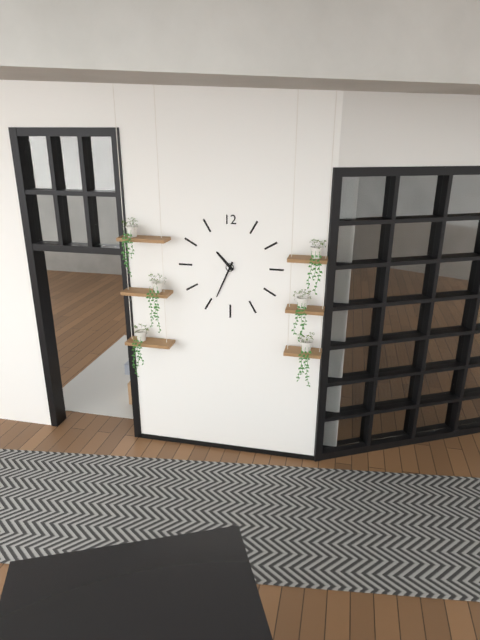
h=10 m=34
